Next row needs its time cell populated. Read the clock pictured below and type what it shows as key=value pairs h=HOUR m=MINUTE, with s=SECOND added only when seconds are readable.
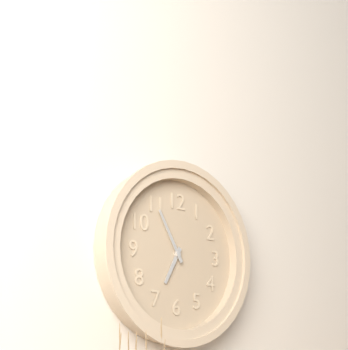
h=6 m=55
